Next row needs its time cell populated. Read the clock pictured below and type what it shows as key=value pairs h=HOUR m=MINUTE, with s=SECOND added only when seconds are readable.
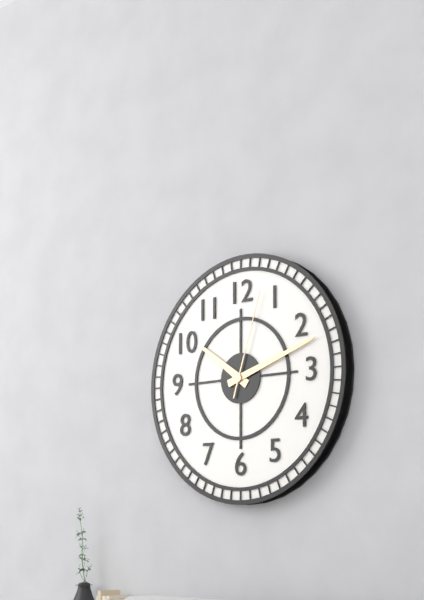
h=10 m=12 s=3
